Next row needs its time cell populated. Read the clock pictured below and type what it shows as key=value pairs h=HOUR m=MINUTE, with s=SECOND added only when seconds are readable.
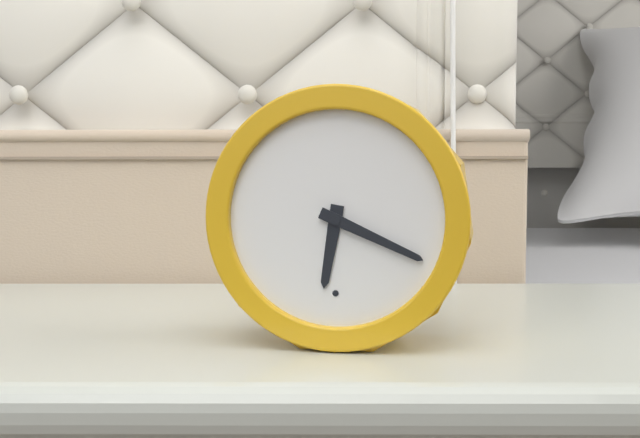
h=6 m=19
